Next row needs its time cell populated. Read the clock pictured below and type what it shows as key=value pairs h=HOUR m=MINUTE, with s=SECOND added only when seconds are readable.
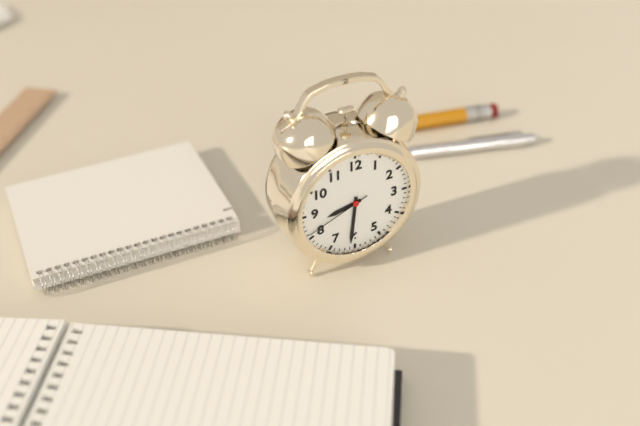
h=8 m=31 s=41
